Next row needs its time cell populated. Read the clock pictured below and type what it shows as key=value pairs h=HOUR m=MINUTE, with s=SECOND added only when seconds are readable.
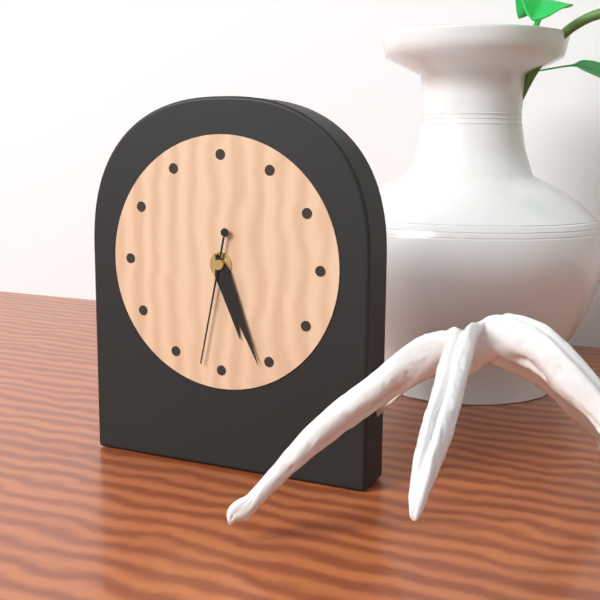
h=5 m=26 s=32
